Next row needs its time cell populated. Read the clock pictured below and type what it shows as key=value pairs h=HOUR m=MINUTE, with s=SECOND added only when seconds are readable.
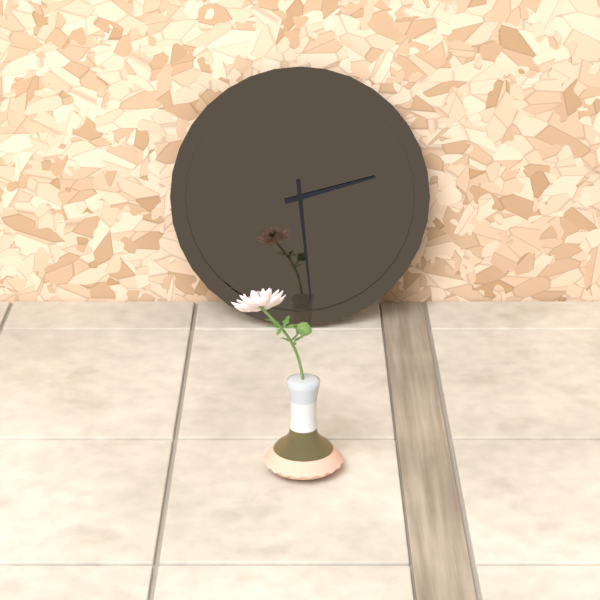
h=2 m=29
